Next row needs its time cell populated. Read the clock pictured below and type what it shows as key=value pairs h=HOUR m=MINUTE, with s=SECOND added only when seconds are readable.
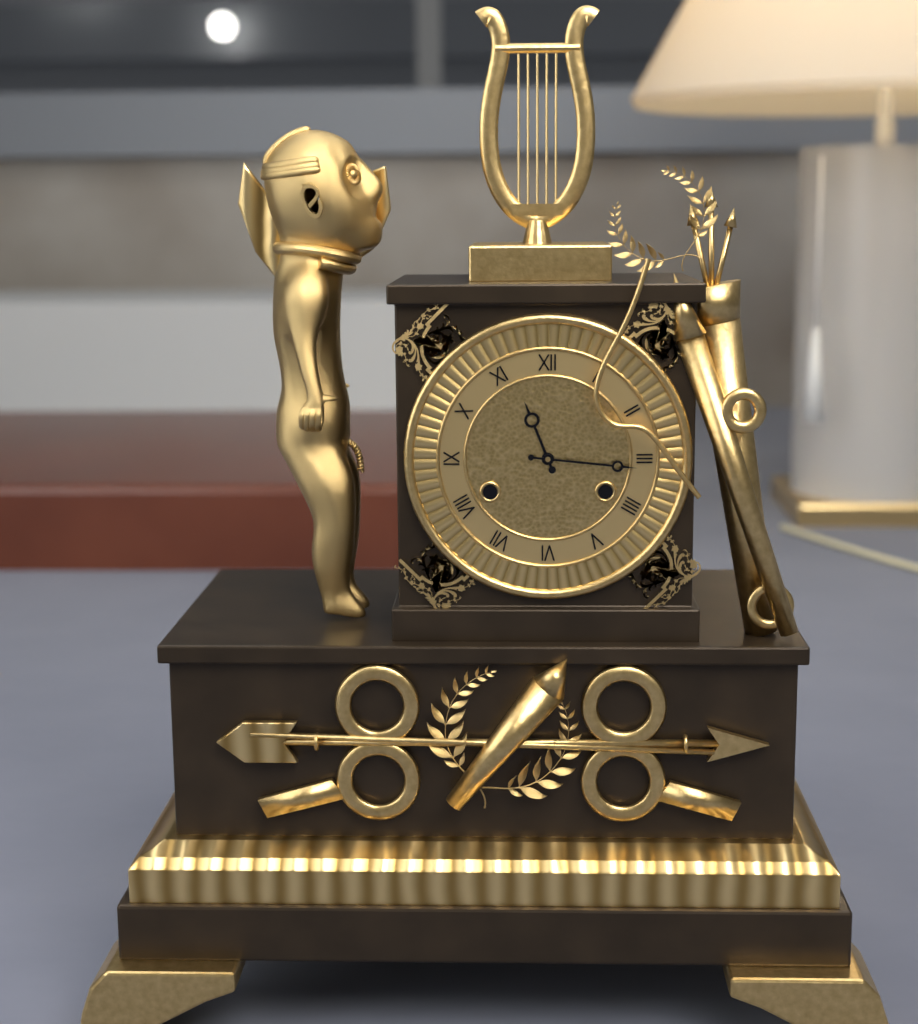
h=11 m=16
